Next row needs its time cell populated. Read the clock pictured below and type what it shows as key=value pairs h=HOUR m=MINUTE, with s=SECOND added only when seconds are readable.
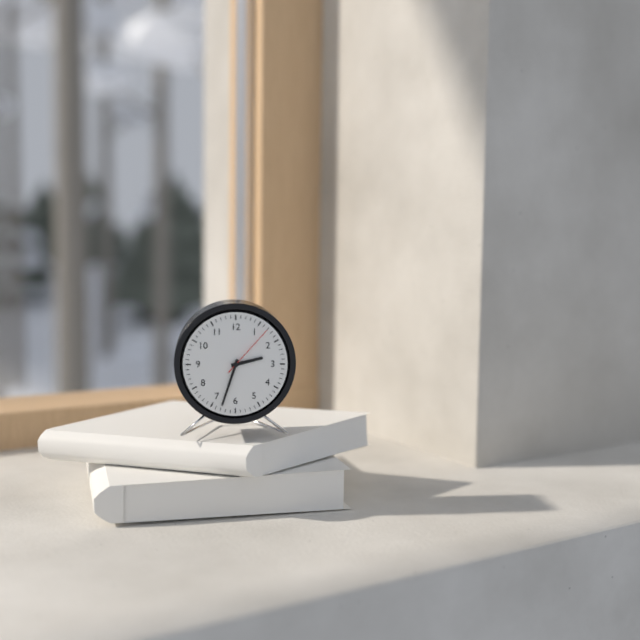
h=2 m=33 s=7
